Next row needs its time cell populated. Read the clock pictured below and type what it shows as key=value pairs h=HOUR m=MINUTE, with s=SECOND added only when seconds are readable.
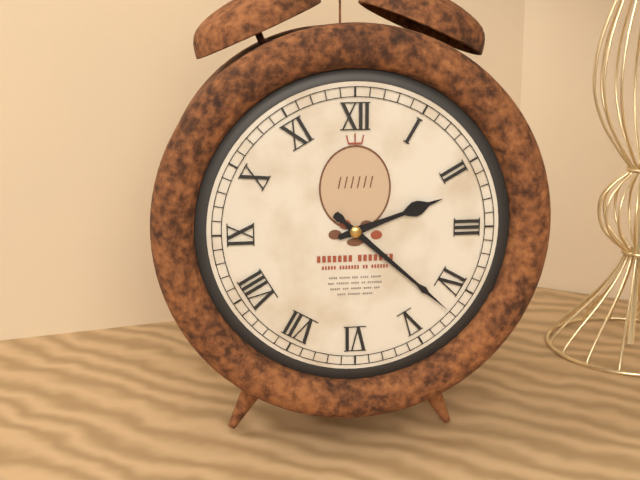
h=2 m=22
